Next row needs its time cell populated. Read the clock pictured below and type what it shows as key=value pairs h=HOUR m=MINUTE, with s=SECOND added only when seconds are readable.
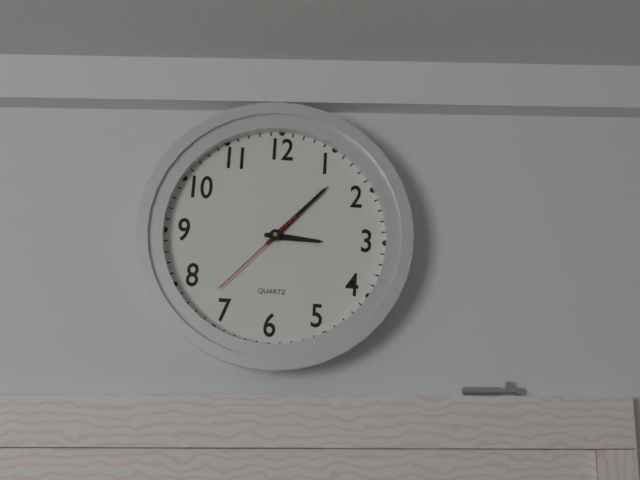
h=3 m=7 s=37
